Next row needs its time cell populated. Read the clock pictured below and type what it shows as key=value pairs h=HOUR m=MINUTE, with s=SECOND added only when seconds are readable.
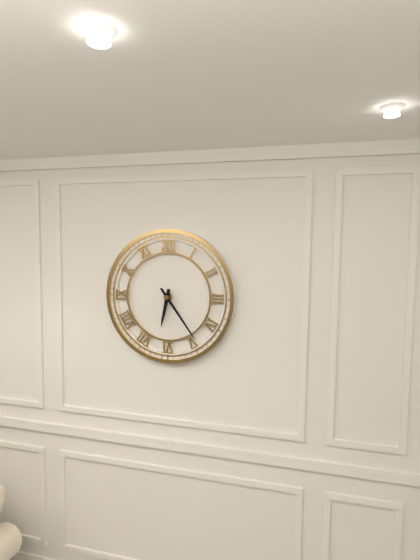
h=6 m=24
